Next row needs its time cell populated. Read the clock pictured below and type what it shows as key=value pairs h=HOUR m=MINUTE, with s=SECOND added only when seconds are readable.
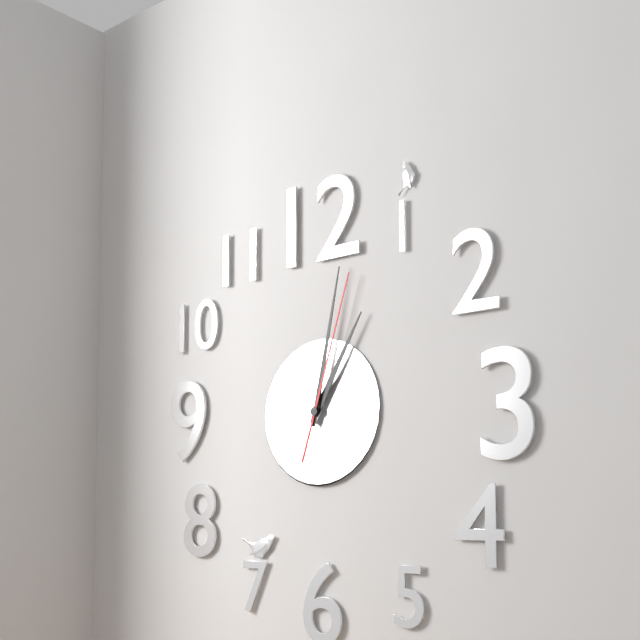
h=1 m=2 s=3
